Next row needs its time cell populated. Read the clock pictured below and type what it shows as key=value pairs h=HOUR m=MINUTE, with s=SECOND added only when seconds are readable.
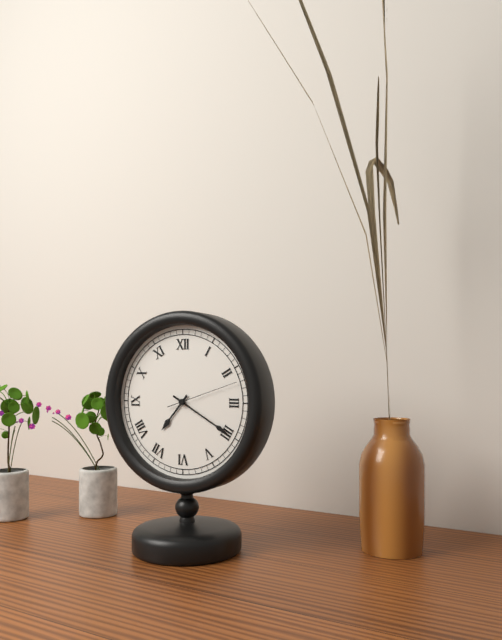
h=7 m=20 s=12
